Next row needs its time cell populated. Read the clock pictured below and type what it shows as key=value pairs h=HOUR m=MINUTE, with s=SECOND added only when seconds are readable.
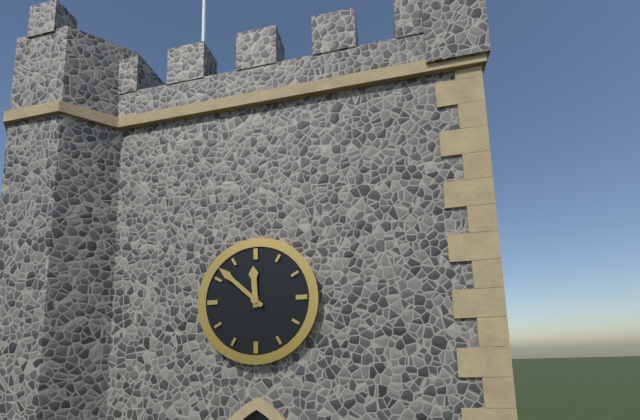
h=11 m=52
